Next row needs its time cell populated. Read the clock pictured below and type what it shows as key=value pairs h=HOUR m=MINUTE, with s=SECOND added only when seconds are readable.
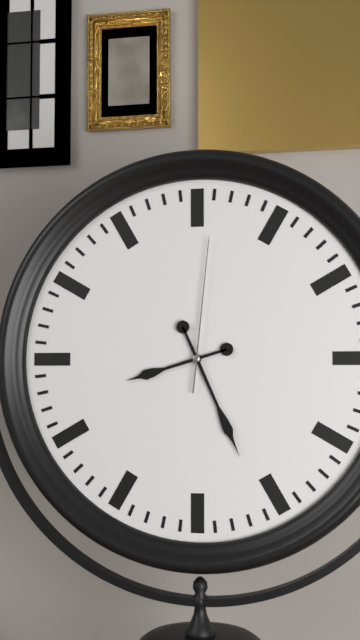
h=8 m=26 s=1
